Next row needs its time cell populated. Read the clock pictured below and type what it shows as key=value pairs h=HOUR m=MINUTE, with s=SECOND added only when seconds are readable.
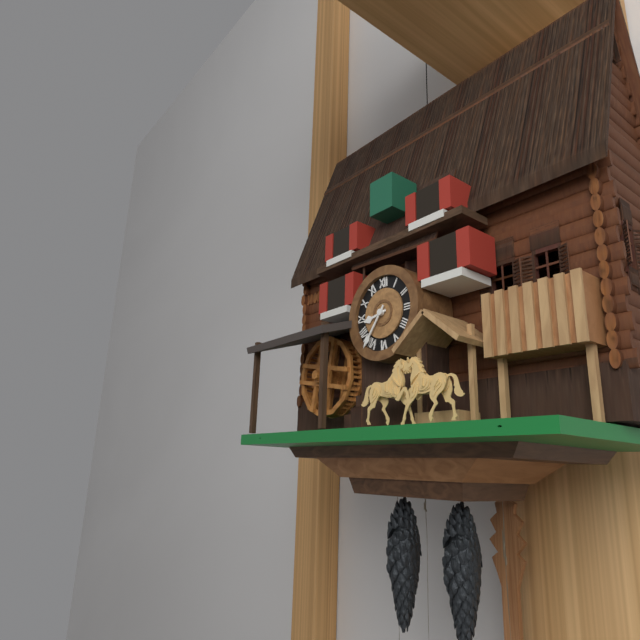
h=8 m=36
